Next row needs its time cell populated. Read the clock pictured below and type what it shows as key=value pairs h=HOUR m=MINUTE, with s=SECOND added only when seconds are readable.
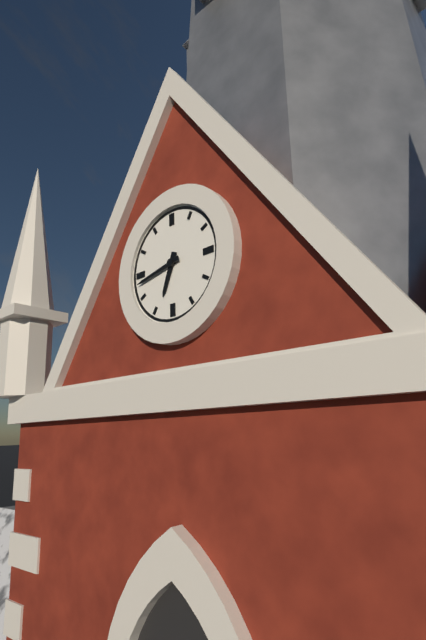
h=6 m=43
